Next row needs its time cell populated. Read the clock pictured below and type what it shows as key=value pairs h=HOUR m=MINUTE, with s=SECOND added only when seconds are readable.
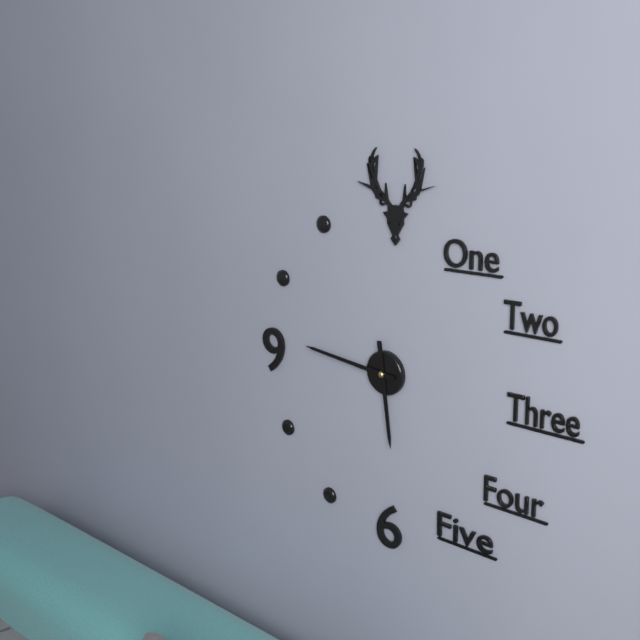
h=5 m=46
